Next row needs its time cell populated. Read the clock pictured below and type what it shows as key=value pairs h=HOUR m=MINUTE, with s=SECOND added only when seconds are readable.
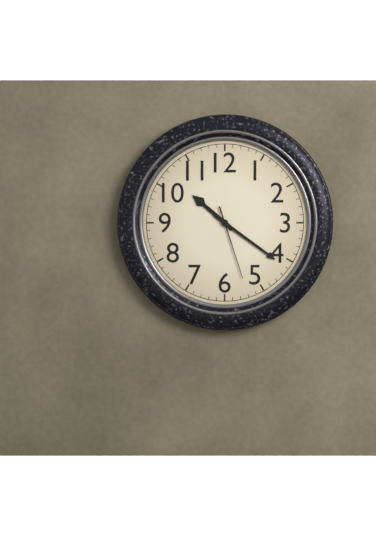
h=10 m=21 s=27
